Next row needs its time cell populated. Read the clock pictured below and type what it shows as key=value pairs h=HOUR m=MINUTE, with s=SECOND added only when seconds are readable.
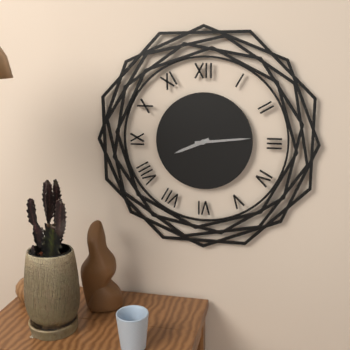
h=8 m=14
